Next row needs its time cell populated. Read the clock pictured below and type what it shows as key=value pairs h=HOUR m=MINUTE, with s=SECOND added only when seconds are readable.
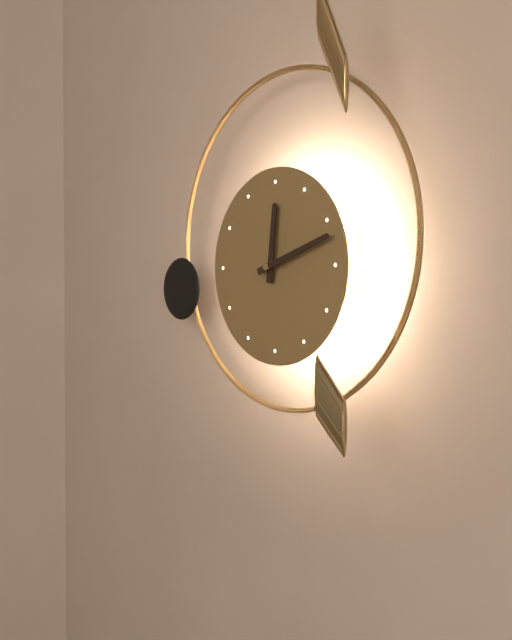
h=12 m=12
